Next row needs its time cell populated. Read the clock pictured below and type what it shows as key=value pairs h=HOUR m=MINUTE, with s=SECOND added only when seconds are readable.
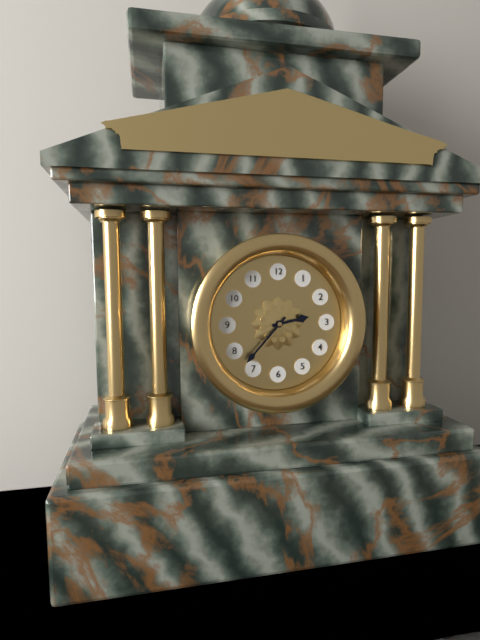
h=2 m=37
